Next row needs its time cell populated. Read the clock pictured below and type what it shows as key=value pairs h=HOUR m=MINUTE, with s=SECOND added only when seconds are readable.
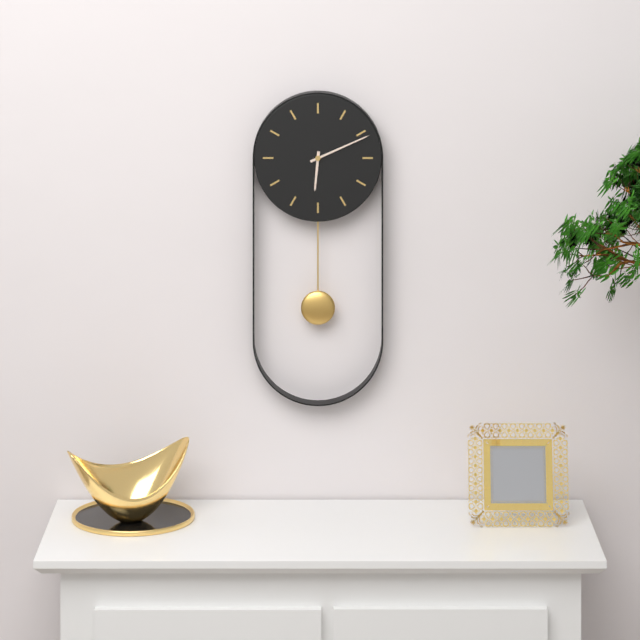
h=6 m=11
